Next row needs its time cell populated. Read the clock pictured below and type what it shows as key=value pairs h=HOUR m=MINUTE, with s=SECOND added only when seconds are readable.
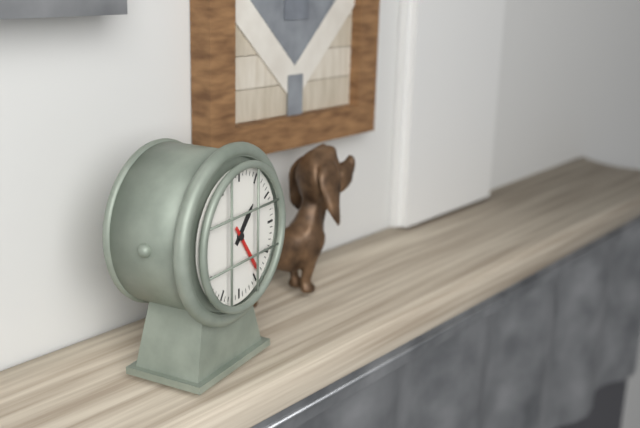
h=1 m=24
